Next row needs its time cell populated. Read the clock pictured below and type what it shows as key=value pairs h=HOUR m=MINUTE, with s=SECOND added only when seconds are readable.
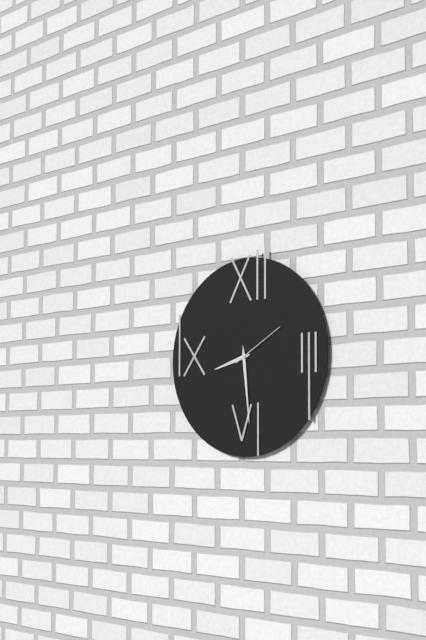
h=8 m=29 s=10
